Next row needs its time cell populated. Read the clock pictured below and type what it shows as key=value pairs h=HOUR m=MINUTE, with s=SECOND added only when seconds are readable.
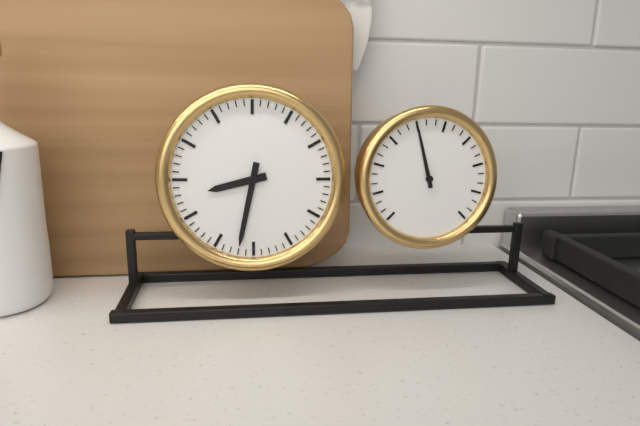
h=8 m=32
